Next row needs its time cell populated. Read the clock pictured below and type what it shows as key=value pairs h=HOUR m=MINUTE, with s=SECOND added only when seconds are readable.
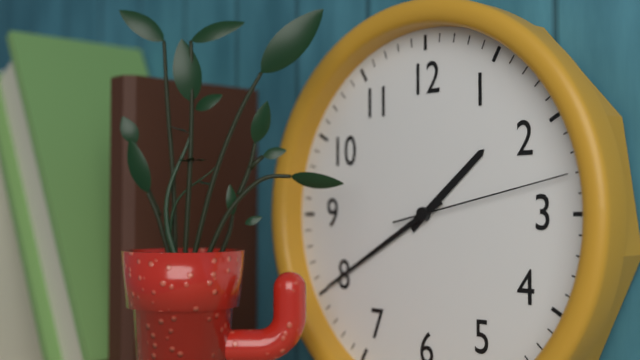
h=1 m=40 s=13
